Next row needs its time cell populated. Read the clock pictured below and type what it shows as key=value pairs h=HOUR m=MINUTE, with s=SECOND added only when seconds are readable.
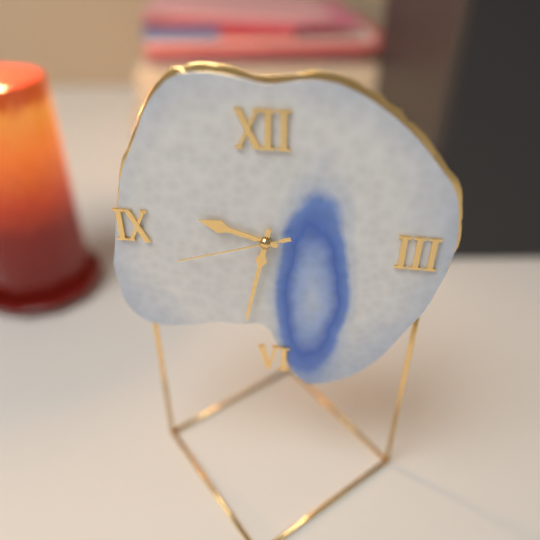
h=9 m=32 s=42
